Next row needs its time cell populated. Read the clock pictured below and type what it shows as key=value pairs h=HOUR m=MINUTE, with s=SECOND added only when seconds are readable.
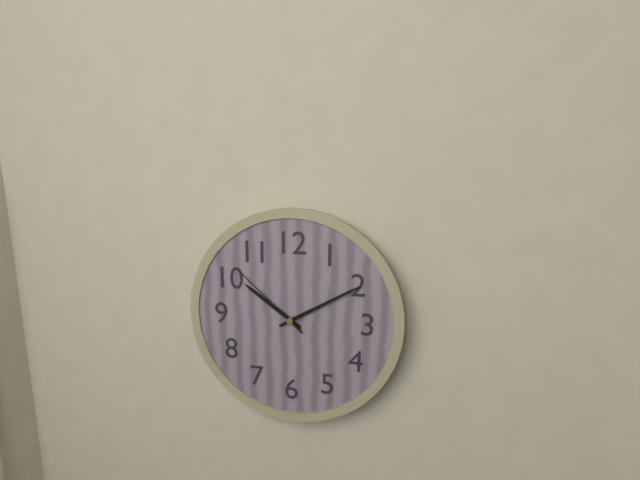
h=10 m=10 s=52
